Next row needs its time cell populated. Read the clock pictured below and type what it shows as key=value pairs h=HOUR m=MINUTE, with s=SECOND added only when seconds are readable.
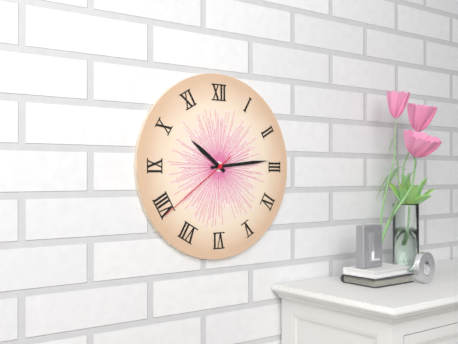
h=10 m=14 s=39
